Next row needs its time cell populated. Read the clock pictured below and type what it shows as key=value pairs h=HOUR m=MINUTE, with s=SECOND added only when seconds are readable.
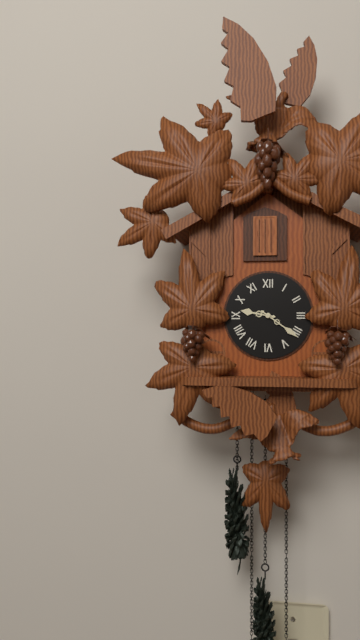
h=9 m=21
